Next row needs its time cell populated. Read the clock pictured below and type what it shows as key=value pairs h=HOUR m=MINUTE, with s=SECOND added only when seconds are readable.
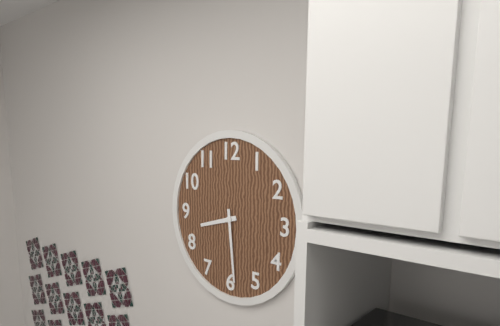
h=8 m=29
